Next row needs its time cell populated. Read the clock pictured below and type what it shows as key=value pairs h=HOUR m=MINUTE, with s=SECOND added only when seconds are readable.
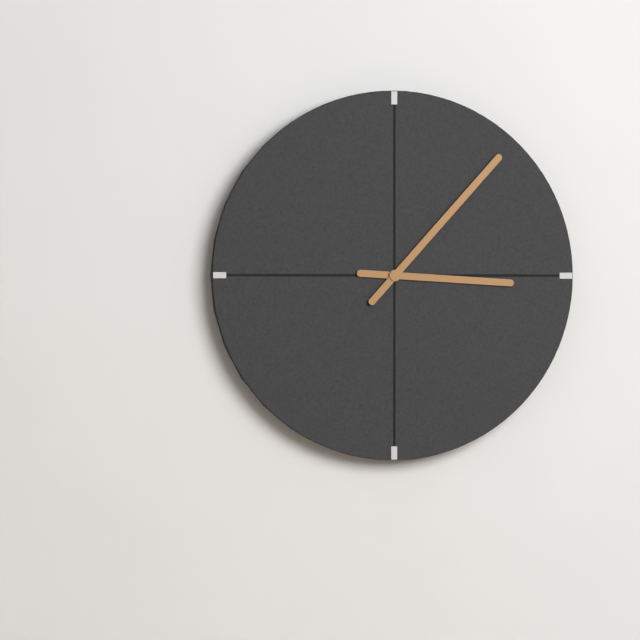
h=3 m=7
